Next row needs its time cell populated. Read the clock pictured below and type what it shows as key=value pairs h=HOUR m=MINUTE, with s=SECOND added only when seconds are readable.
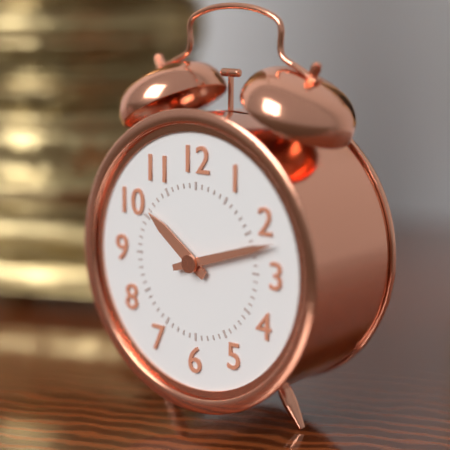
h=10 m=12
